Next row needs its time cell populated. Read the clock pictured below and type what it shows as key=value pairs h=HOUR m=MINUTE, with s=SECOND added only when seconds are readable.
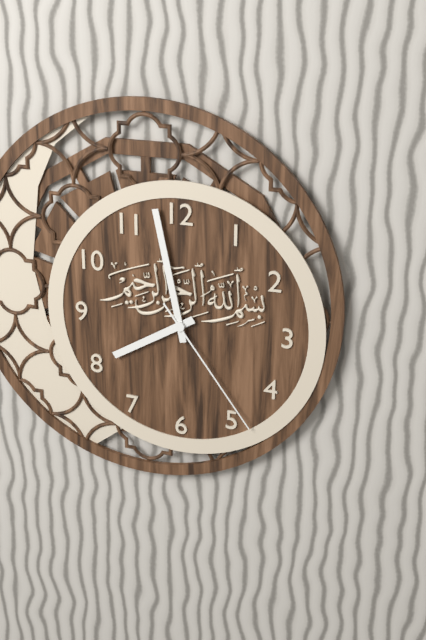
h=7 m=58 s=24
